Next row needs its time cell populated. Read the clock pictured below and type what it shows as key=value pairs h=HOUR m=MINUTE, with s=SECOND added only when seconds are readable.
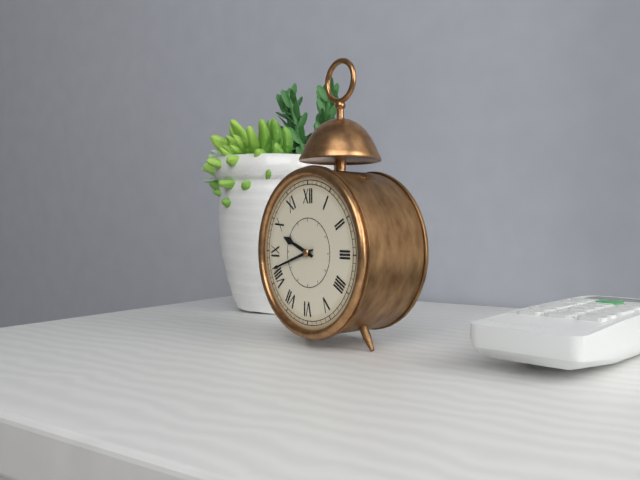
h=9 m=42
